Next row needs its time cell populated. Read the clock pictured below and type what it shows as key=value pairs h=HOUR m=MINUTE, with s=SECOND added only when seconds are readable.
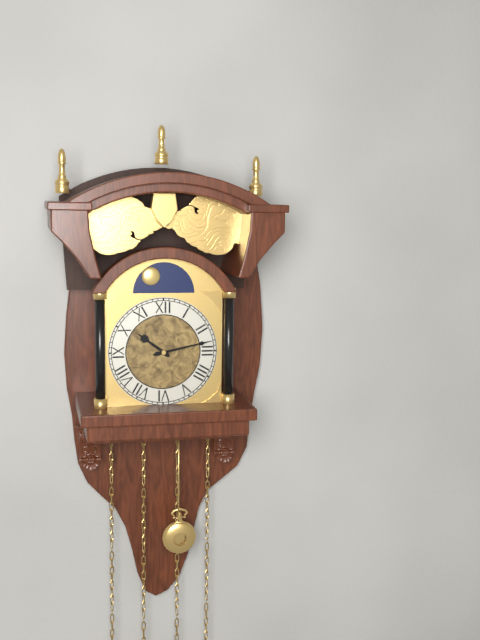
h=10 m=13
